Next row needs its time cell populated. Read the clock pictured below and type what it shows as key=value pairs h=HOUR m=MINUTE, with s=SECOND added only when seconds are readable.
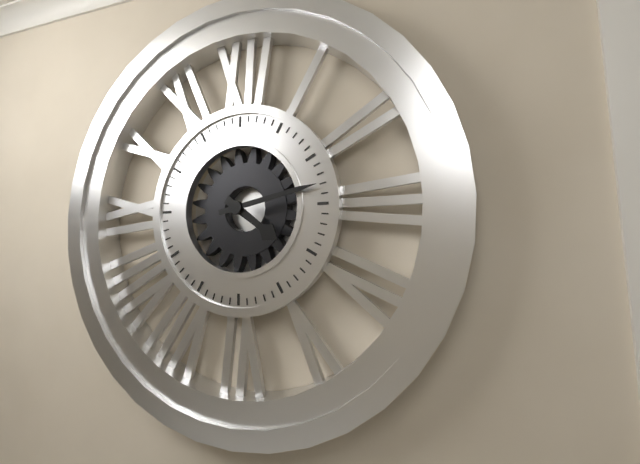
h=4 m=13
